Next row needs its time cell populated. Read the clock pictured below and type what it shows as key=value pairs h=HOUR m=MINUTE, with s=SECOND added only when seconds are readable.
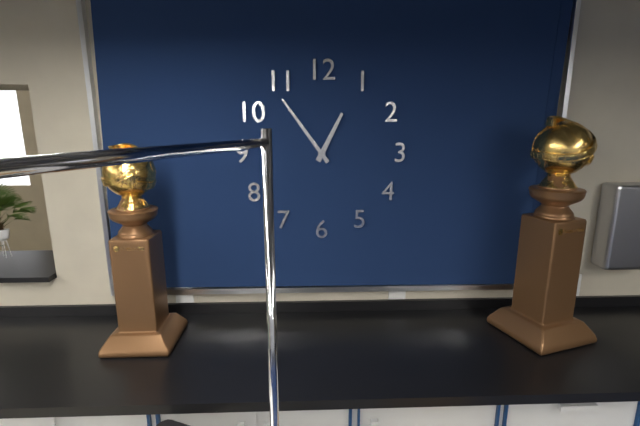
h=12 m=54
